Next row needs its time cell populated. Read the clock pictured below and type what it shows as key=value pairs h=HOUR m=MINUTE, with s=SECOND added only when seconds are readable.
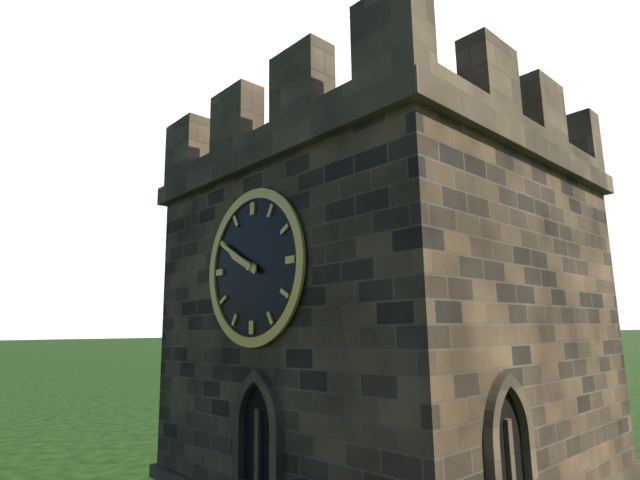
h=9 m=50
